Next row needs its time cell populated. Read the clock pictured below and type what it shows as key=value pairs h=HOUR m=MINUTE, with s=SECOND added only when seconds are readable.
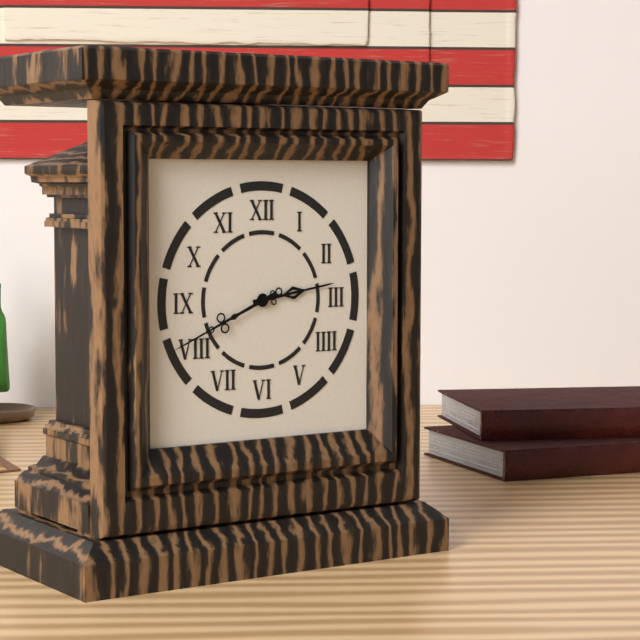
h=2 m=41
